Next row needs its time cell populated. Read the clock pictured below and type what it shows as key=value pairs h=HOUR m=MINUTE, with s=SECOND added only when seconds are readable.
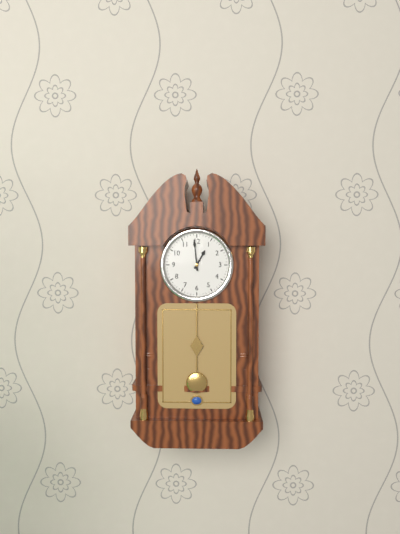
h=12 m=59
